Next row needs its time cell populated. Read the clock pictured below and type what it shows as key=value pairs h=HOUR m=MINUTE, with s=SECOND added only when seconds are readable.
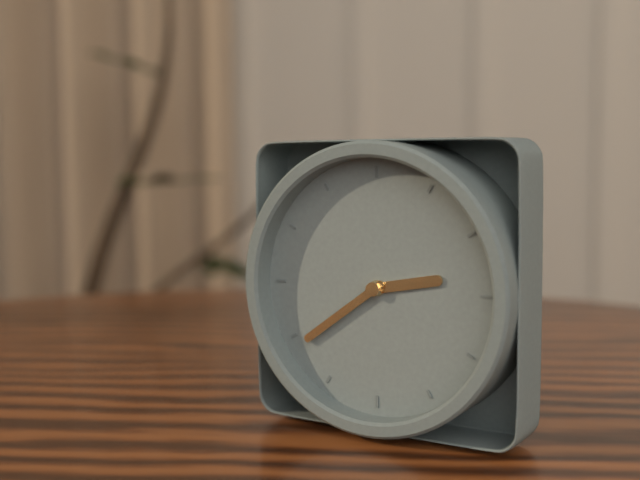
h=2 m=39
